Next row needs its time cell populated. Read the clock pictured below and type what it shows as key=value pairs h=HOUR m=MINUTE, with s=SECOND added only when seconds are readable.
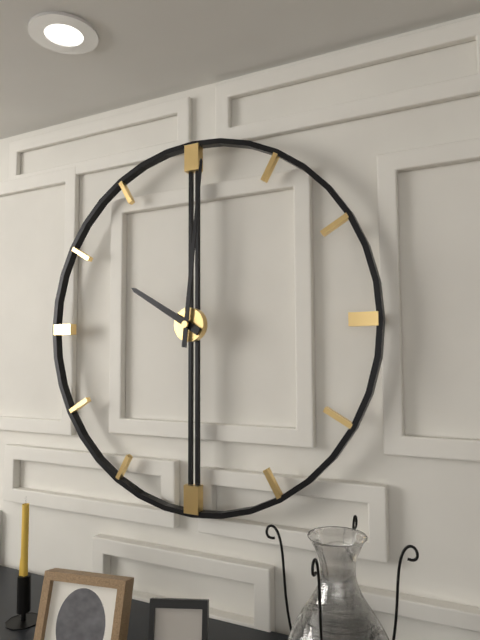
h=10 m=1
